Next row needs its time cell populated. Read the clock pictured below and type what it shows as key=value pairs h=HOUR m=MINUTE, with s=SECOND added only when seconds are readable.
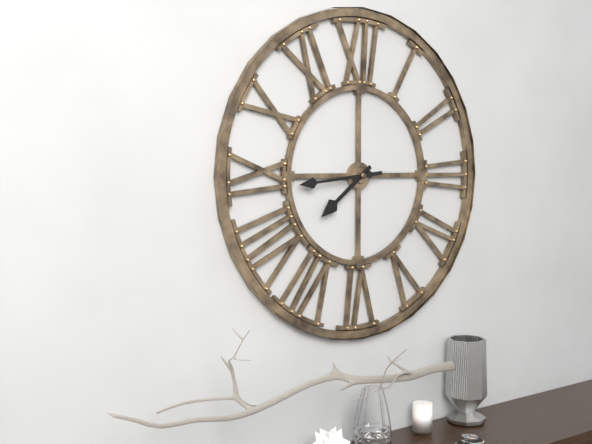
h=7 m=44
